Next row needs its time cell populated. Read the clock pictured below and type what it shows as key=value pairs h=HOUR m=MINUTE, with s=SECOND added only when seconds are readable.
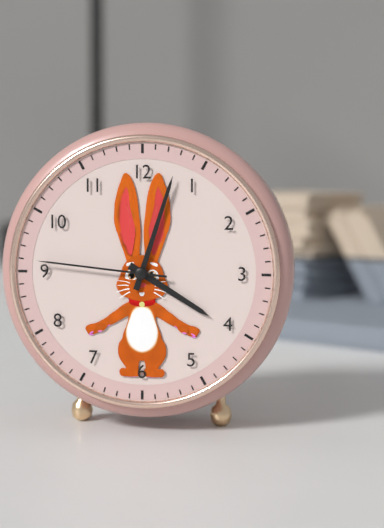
h=4 m=3 s=46
